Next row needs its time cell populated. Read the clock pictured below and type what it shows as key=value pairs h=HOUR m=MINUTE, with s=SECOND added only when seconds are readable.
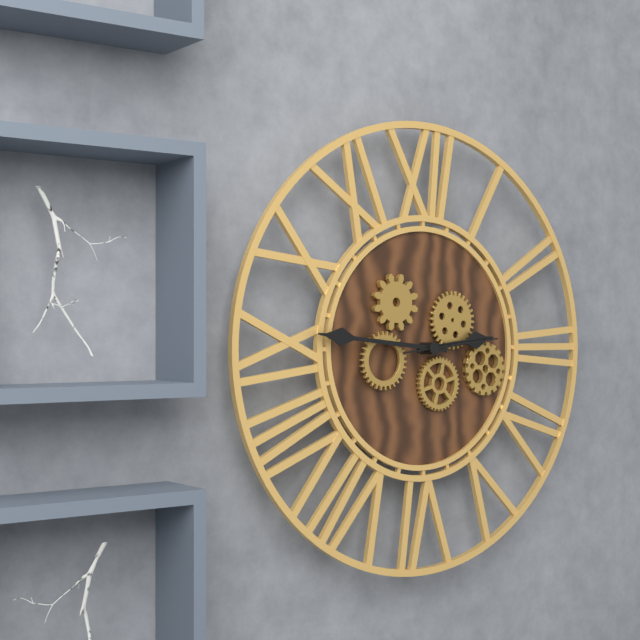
h=2 m=46 s=14
